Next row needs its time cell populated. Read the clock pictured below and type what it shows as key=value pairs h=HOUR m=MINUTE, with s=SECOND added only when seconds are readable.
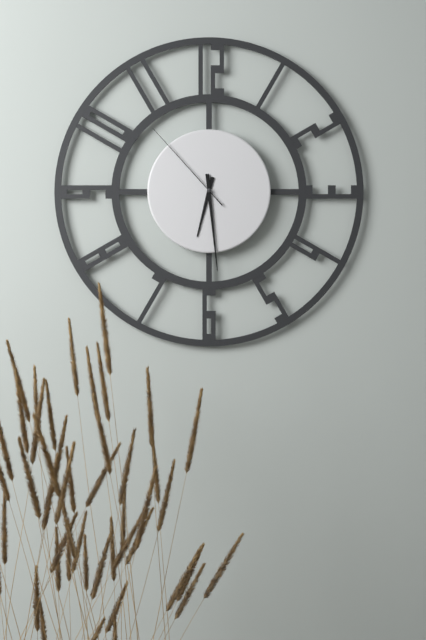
h=6 m=29 s=53
